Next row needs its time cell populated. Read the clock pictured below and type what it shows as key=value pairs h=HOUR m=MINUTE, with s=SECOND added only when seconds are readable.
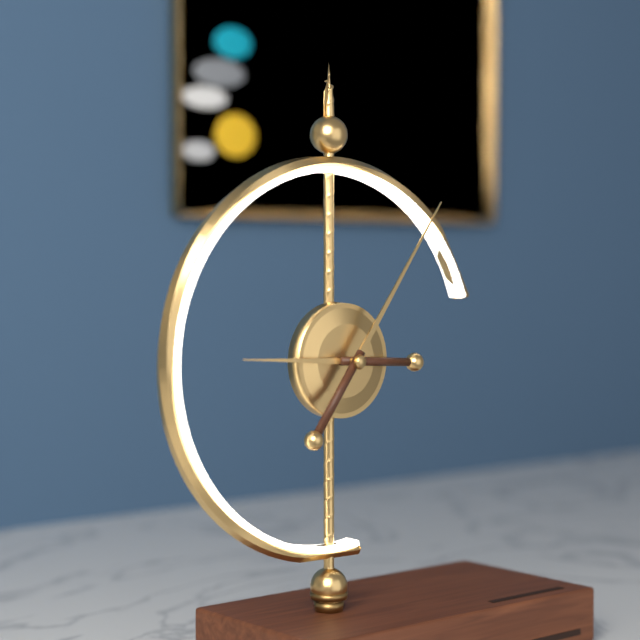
h=9 m=6
